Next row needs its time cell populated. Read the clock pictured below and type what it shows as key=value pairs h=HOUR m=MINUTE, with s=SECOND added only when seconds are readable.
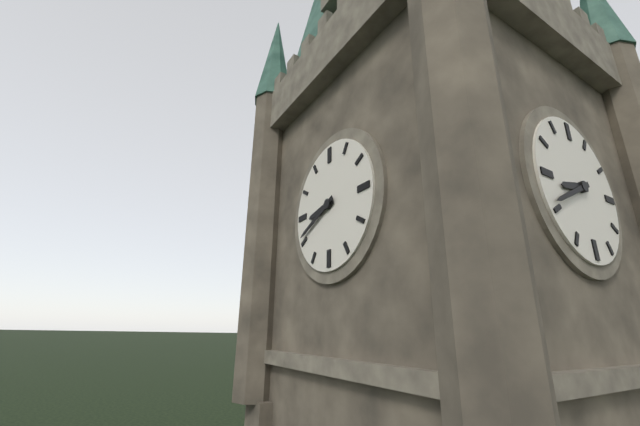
h=8 m=41
